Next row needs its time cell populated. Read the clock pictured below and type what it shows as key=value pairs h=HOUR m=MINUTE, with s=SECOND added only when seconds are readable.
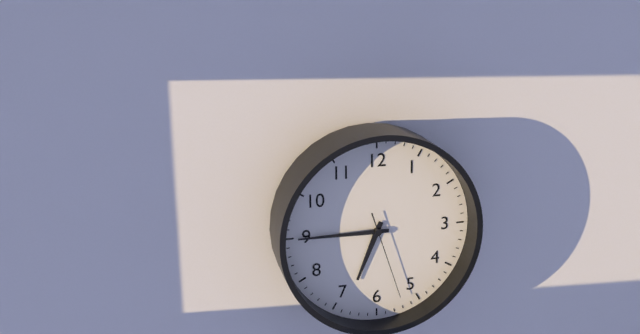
h=6 m=45 s=27
